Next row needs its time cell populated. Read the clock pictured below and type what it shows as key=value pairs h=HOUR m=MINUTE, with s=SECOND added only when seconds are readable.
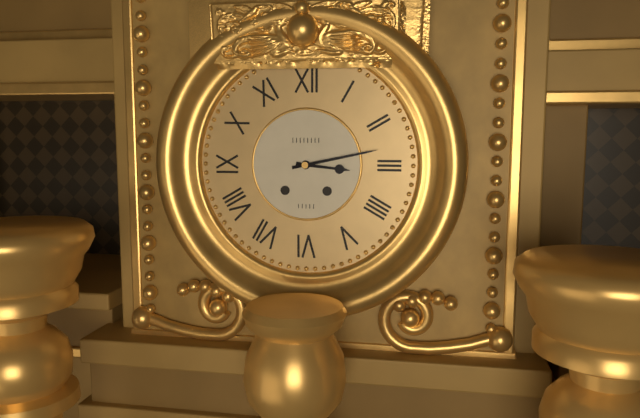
h=3 m=13
